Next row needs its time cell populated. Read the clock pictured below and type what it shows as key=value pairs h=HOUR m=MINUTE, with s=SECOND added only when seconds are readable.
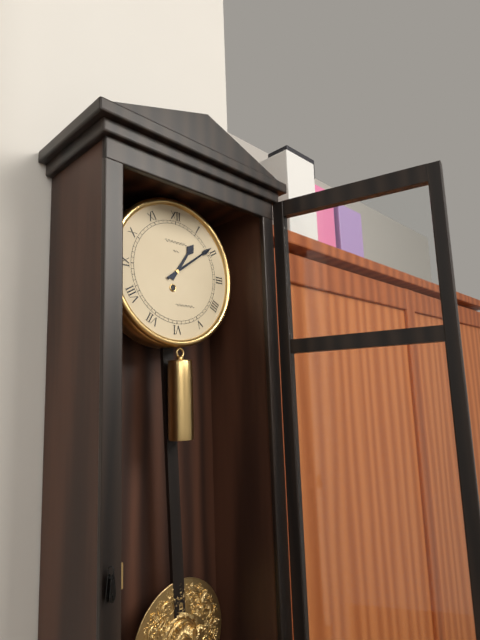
h=1 m=9
